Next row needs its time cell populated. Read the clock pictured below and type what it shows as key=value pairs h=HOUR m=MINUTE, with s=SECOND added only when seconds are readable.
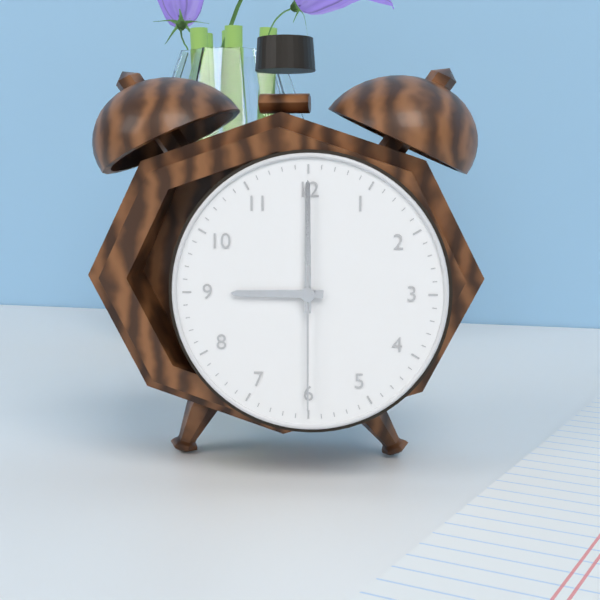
h=9 m=0 s=30
